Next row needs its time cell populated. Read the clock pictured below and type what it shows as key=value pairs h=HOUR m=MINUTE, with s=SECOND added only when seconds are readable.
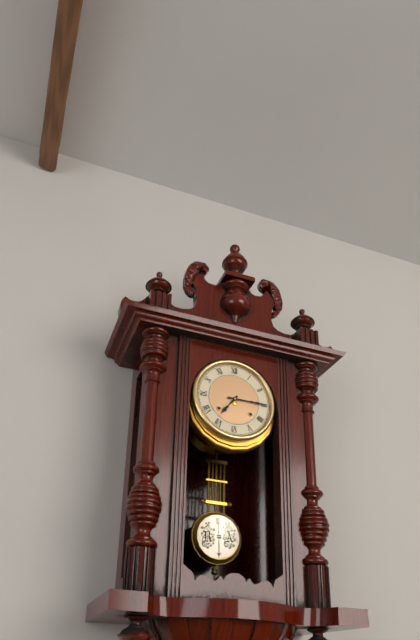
h=7 m=15
